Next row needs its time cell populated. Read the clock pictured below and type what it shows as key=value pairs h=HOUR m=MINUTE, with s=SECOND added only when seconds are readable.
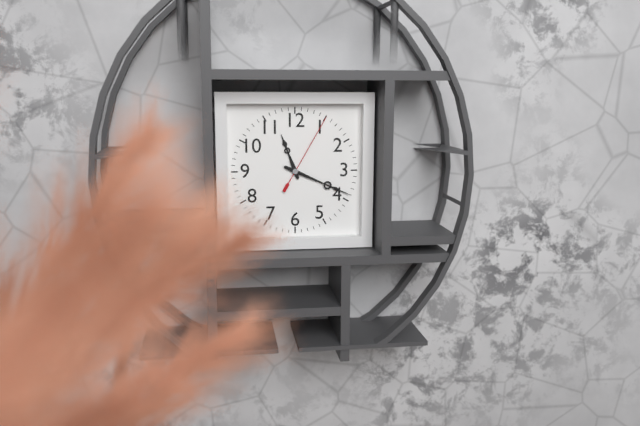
h=11 m=19 s=5
